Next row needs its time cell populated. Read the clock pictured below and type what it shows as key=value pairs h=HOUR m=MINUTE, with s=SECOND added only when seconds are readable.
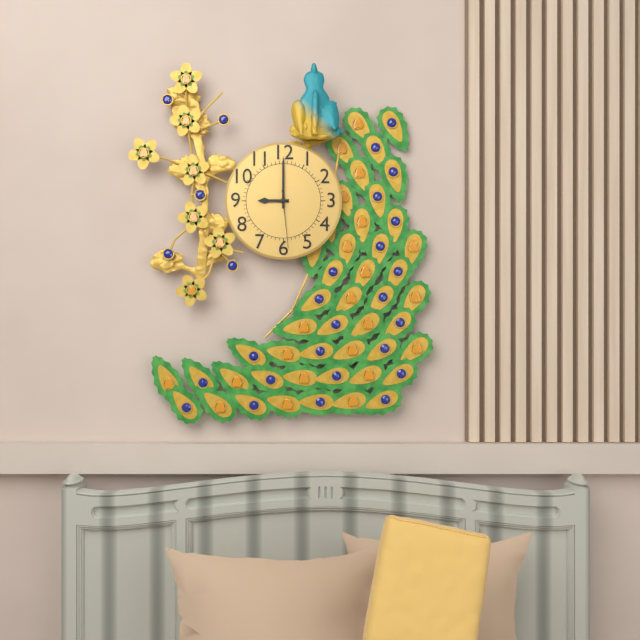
h=9 m=0 s=29
